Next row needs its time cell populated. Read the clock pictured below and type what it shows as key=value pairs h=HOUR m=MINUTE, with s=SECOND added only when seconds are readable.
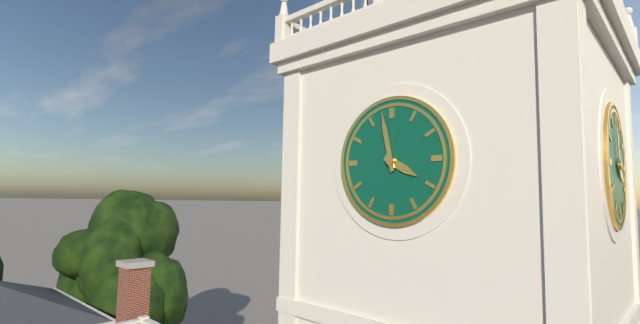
h=3 m=58
